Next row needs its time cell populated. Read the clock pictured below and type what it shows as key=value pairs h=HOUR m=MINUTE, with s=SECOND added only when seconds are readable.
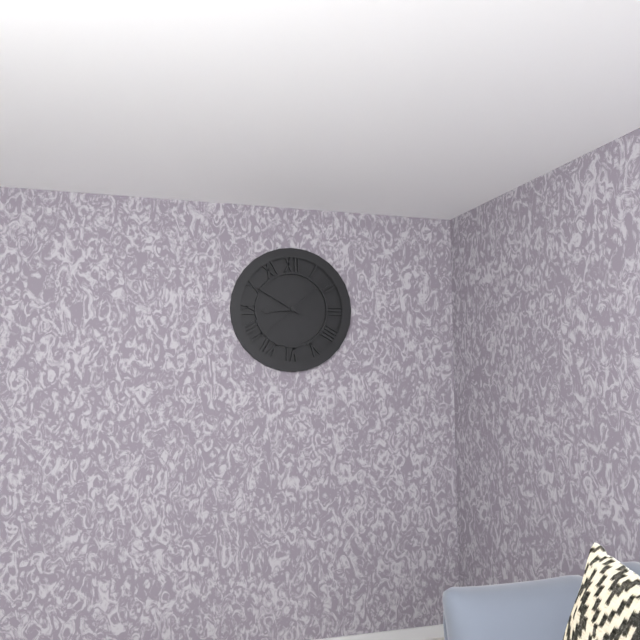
h=8 m=50 s=8
